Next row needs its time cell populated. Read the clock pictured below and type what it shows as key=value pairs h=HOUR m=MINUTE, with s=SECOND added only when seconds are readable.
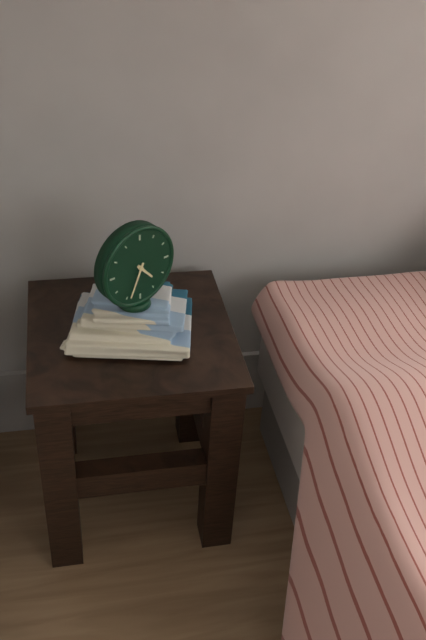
h=4 m=34
